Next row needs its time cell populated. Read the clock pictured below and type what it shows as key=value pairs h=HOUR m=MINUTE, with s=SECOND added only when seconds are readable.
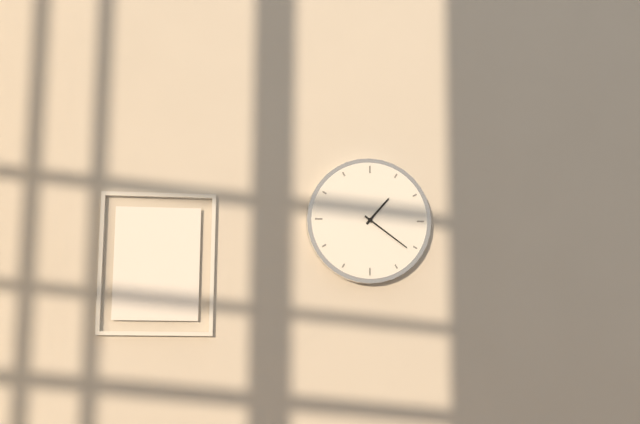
h=1 m=21
